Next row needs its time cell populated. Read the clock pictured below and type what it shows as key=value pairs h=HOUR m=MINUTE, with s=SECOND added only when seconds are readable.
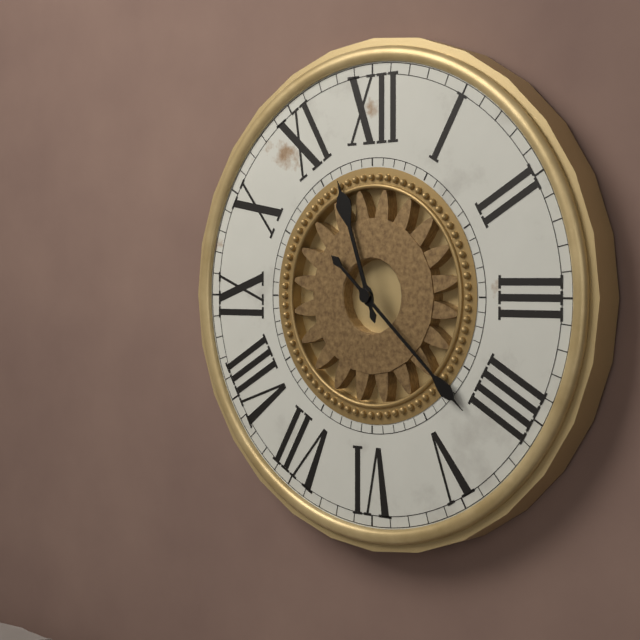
h=11 m=22
